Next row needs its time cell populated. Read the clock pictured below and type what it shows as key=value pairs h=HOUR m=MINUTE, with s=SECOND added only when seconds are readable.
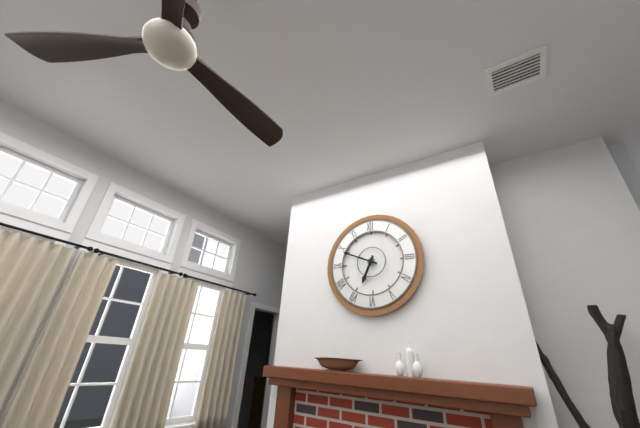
h=6 m=49
